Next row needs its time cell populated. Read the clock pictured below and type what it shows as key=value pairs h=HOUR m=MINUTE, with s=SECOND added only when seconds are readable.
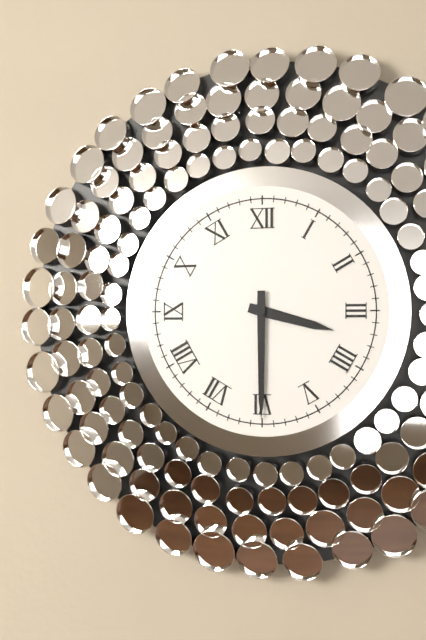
h=3 m=30
